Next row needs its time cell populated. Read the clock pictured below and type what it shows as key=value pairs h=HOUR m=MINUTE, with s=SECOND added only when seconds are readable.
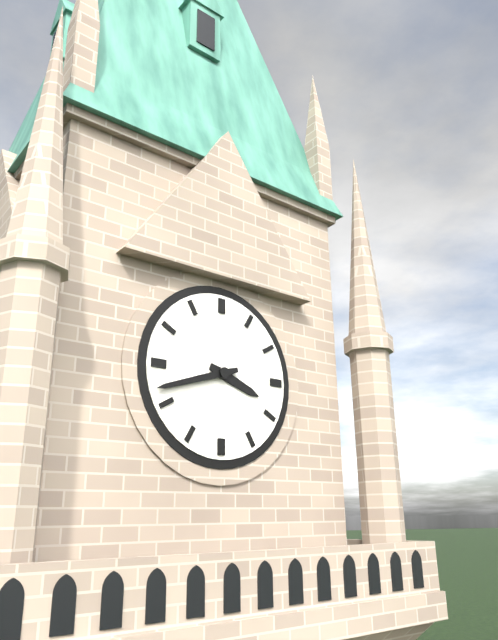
h=3 m=42
